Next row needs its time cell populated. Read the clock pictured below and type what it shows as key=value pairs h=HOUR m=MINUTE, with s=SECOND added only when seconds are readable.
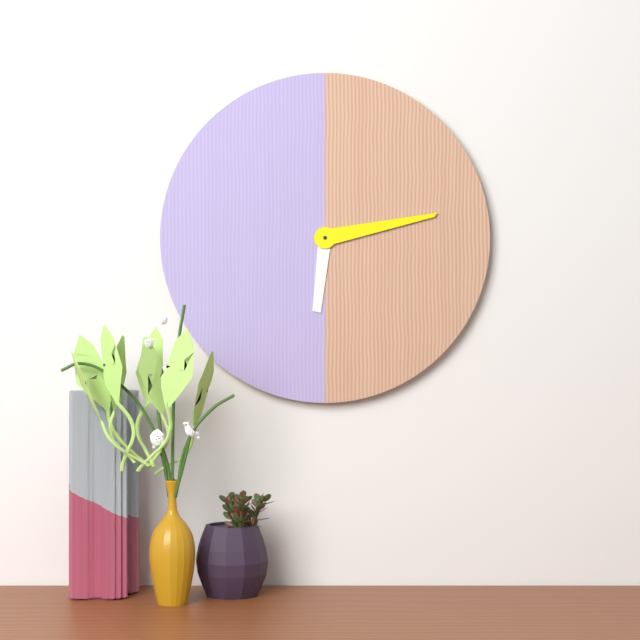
h=6 m=13
